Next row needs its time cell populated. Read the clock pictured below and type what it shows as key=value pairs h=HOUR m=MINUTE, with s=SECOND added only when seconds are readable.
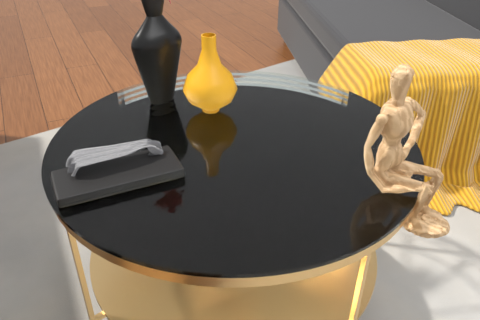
h=10 m=58
